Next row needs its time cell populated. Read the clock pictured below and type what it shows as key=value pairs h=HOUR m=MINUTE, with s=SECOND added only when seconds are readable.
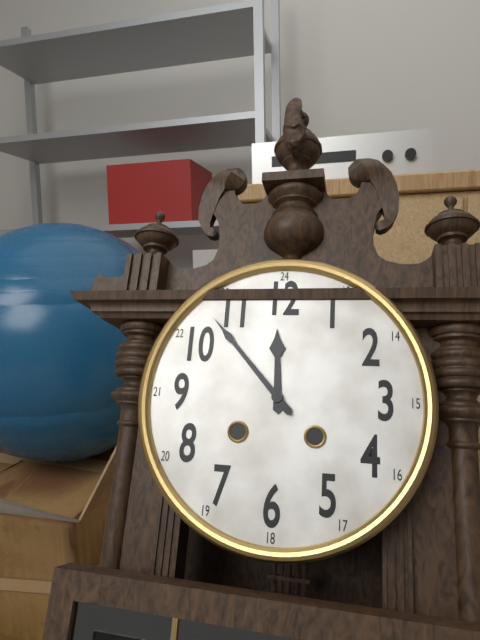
h=11 m=53
